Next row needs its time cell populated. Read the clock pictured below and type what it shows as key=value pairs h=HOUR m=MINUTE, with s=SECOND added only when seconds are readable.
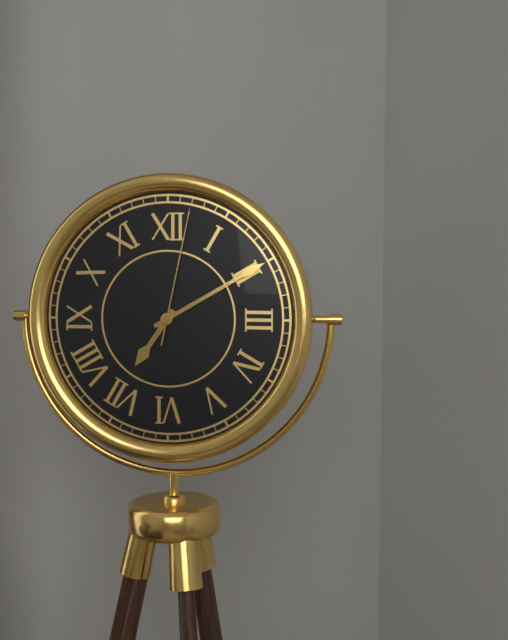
h=7 m=10 s=2
